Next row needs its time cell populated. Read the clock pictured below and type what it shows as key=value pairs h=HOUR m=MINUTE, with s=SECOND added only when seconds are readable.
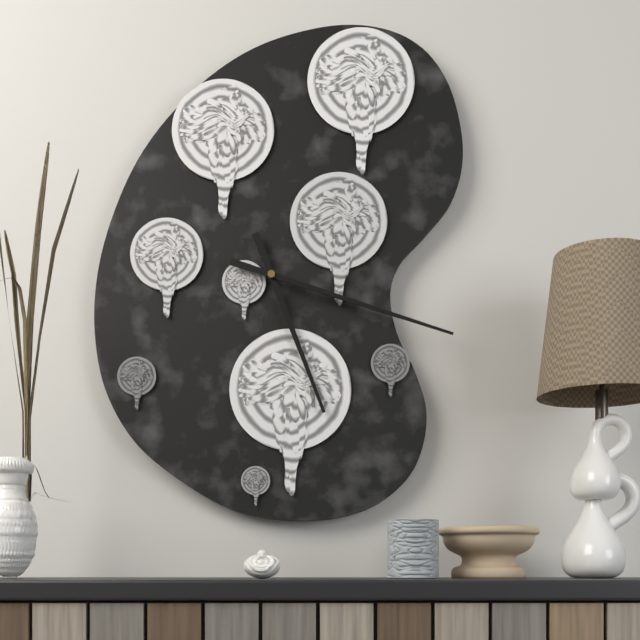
h=5 m=18
